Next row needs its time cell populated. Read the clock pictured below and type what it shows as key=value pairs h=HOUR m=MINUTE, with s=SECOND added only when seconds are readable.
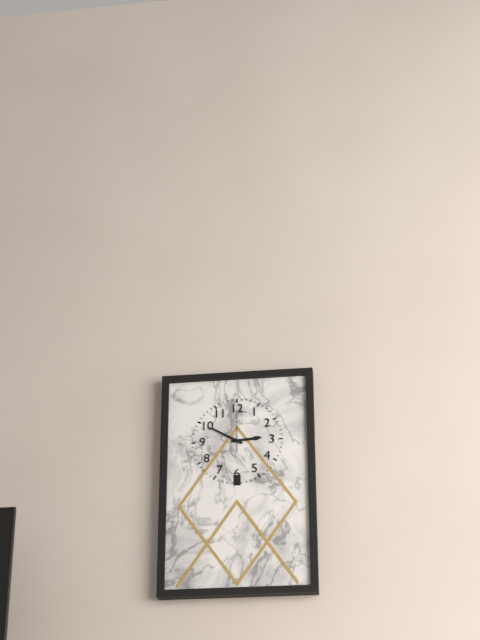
h=2 m=50
